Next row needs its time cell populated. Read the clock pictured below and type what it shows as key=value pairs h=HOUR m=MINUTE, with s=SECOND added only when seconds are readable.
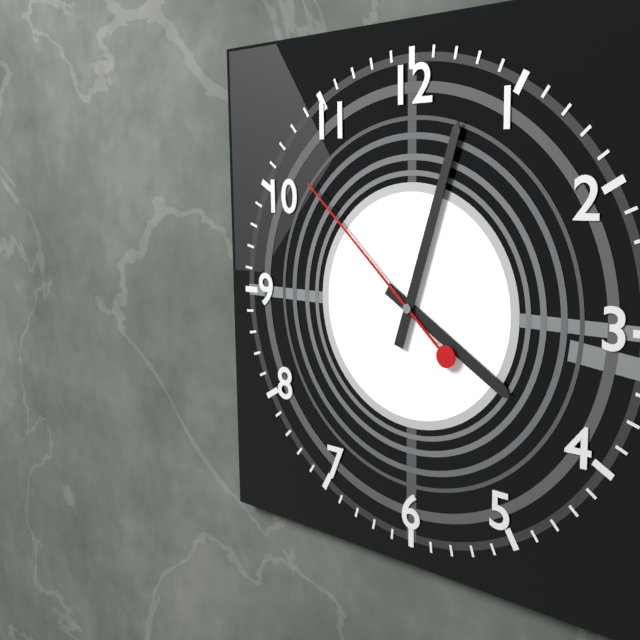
h=4 m=3 s=52
